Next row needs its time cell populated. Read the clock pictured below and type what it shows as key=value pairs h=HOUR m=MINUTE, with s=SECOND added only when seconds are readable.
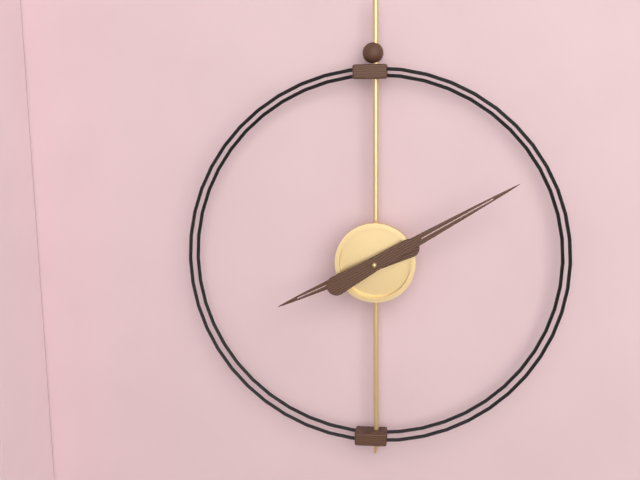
h=8 m=10
